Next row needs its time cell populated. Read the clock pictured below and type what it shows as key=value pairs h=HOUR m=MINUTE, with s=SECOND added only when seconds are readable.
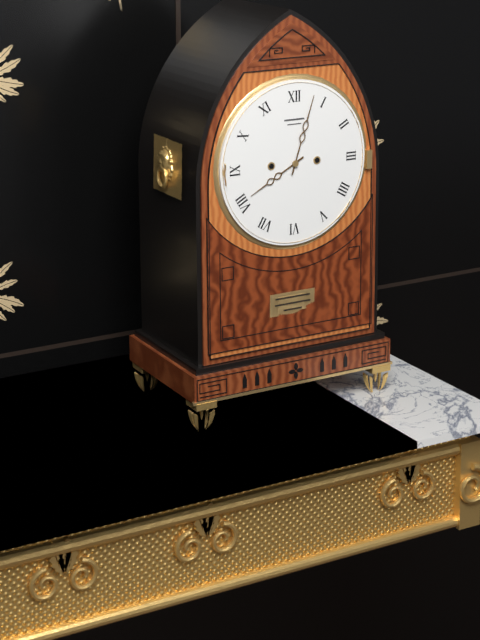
h=8 m=3
